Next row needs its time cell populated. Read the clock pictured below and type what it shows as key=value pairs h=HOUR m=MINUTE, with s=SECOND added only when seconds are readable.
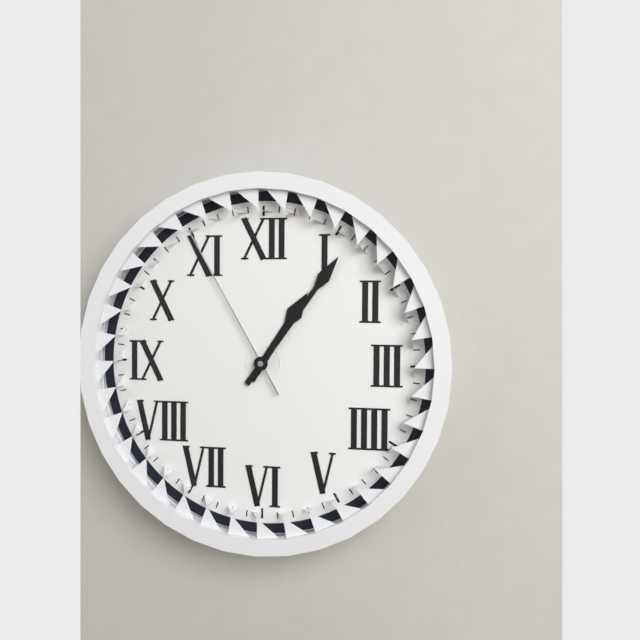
h=1 m=6 s=55
